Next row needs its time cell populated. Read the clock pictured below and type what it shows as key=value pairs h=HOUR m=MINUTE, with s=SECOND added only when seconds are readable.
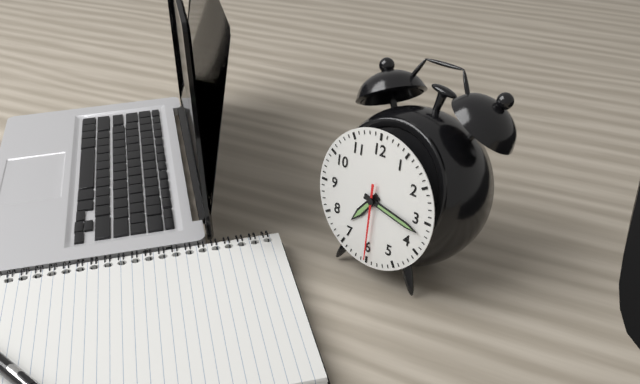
h=7 m=17 s=30
